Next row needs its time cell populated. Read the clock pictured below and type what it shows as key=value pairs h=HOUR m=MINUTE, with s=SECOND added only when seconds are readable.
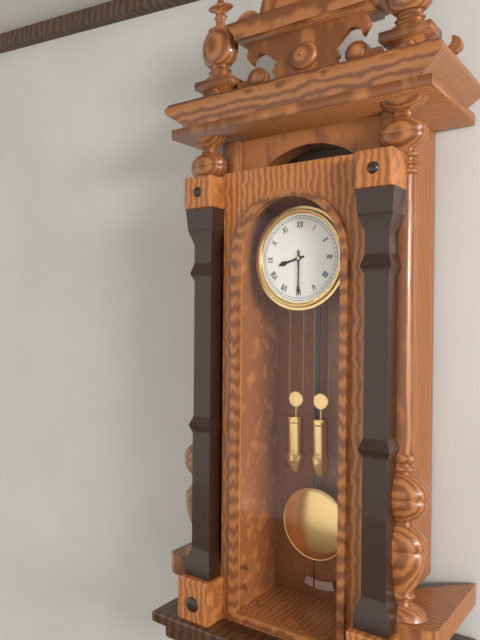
h=8 m=30
